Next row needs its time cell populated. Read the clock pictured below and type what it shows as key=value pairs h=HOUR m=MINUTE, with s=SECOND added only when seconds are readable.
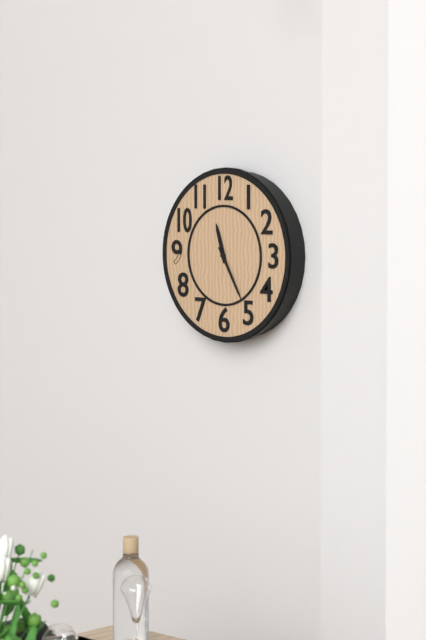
h=11 m=25
